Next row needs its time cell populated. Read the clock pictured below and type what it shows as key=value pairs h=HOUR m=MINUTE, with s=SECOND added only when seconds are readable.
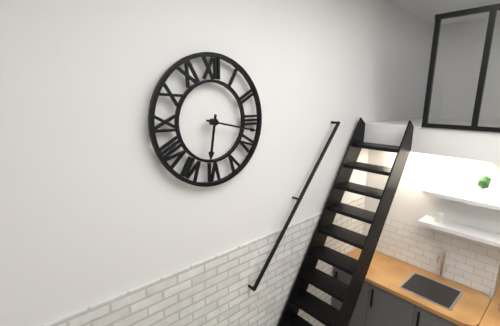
h=6 m=17
